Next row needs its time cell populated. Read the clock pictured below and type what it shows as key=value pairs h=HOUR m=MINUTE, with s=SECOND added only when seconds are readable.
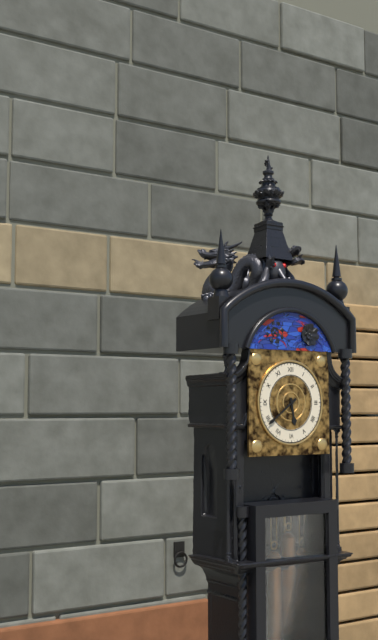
h=5 m=39
